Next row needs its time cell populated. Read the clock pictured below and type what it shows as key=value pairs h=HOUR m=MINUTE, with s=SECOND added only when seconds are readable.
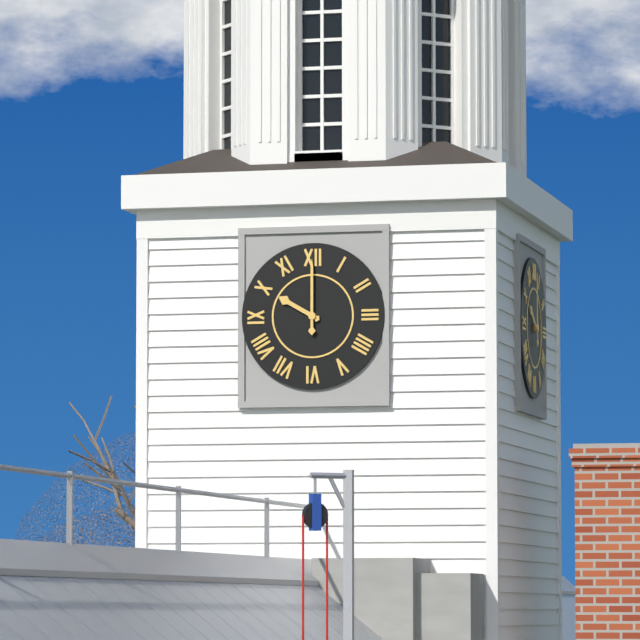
h=10 m=0
